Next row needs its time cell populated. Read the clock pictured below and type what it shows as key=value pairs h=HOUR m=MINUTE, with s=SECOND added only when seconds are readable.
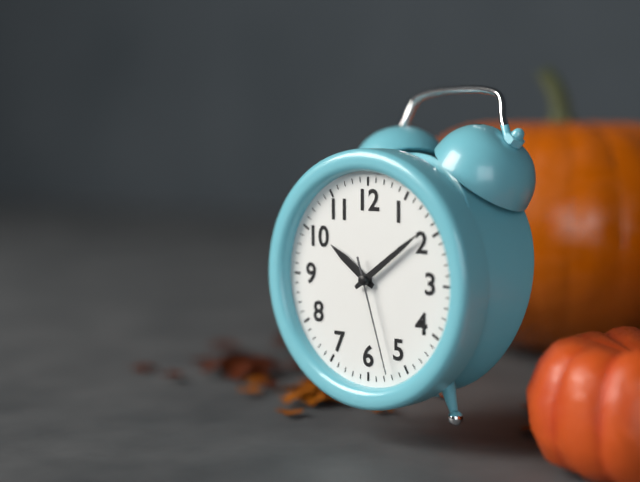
h=10 m=9 s=27
